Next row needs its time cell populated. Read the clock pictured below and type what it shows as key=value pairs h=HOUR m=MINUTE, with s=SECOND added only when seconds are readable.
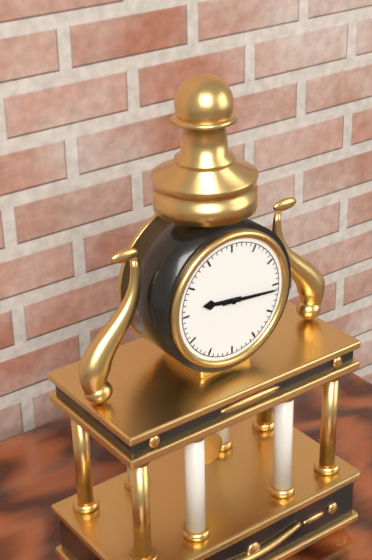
h=9 m=16
